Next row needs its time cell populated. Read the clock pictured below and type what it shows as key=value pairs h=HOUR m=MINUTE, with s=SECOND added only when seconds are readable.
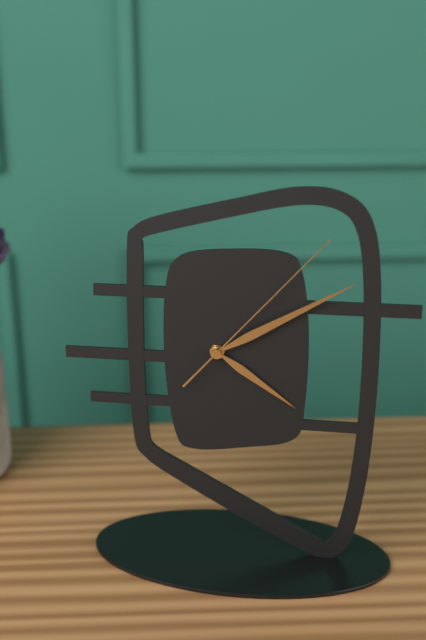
h=4 m=10 s=7
